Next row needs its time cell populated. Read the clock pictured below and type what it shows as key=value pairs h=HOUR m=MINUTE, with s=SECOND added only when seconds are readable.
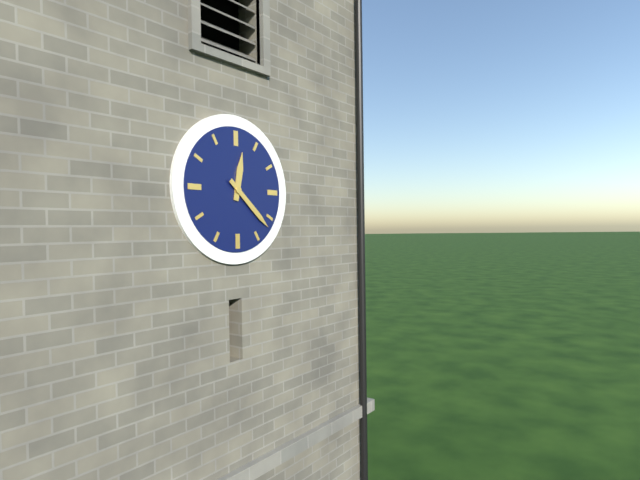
h=12 m=22
